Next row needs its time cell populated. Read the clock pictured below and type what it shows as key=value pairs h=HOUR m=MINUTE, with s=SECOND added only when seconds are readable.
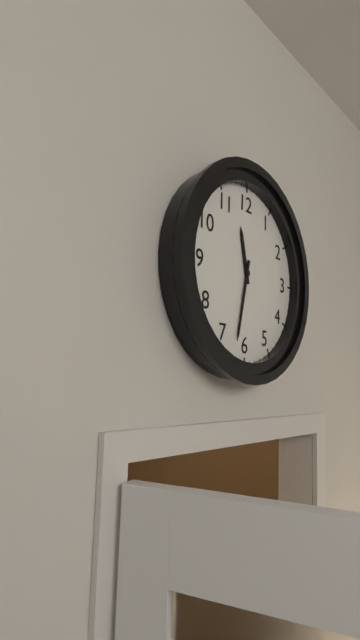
h=11 m=32
